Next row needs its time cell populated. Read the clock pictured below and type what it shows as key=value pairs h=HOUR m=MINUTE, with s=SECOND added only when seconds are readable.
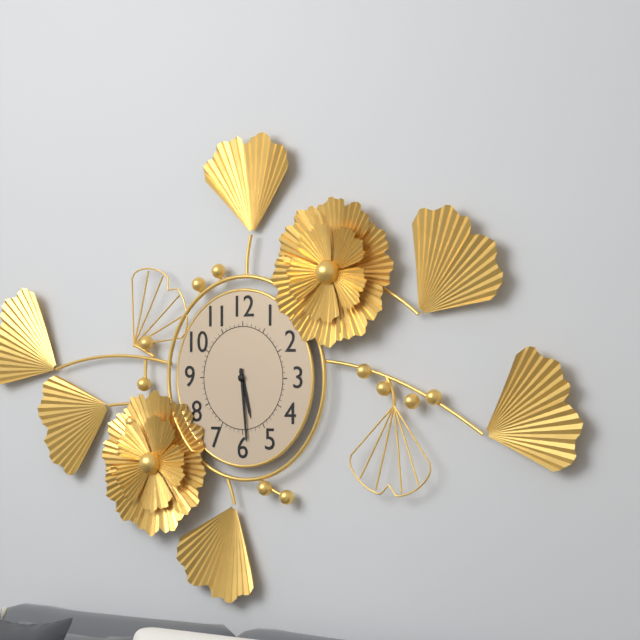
h=5 m=29
